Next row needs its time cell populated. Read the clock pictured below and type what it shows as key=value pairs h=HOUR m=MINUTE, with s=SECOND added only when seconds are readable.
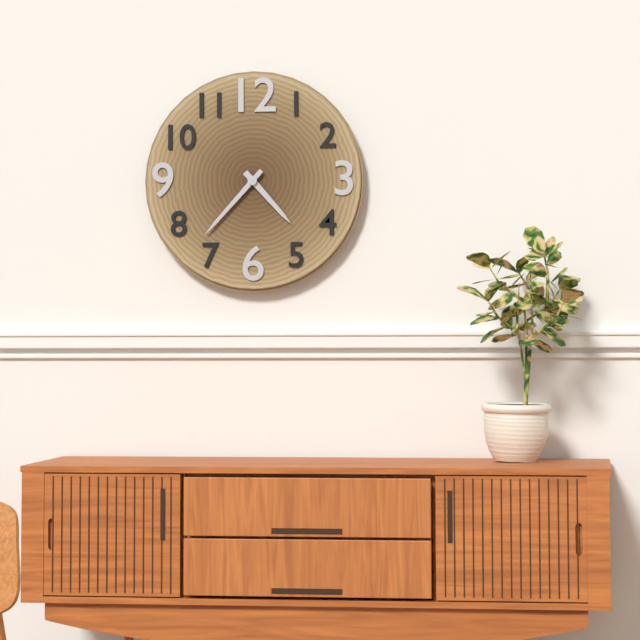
h=4 m=37
